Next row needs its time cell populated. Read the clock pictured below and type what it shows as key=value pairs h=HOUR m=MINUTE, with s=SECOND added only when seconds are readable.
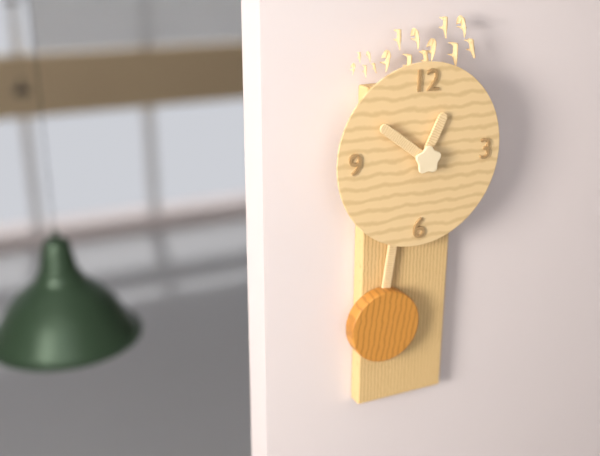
h=12 m=51
